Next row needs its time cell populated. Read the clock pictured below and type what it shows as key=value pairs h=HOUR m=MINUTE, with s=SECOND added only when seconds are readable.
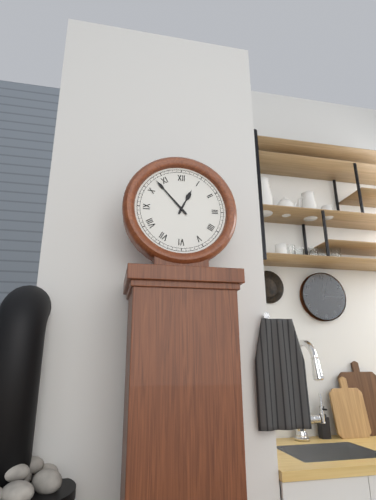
h=12 m=53
